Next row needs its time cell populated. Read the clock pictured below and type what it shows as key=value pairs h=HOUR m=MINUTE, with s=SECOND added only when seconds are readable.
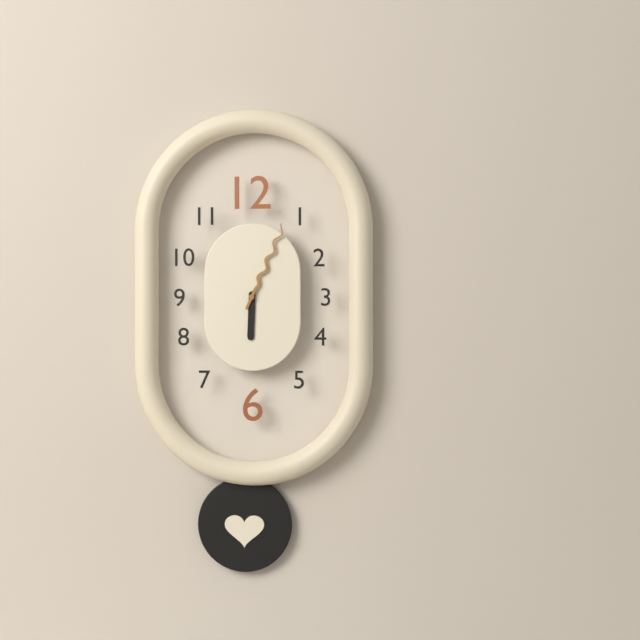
h=6 m=4
